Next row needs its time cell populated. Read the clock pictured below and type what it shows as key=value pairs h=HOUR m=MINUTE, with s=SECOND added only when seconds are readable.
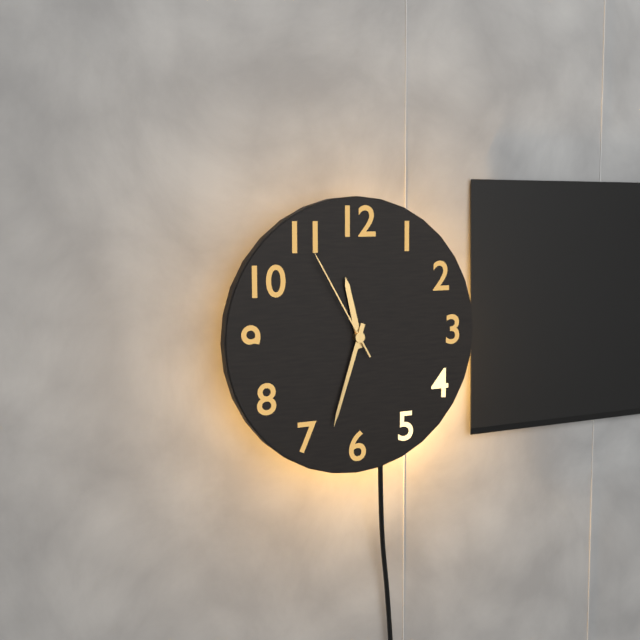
h=11 m=33 s=55
